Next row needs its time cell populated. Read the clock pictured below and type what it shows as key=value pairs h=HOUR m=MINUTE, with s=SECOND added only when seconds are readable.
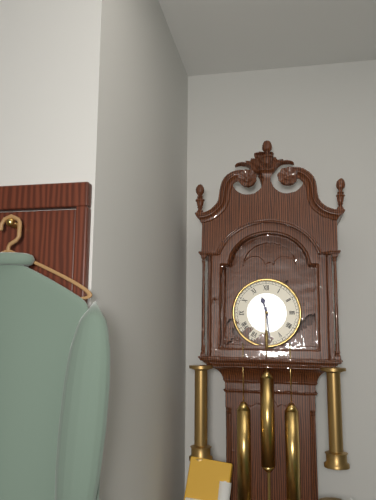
h=11 m=29
